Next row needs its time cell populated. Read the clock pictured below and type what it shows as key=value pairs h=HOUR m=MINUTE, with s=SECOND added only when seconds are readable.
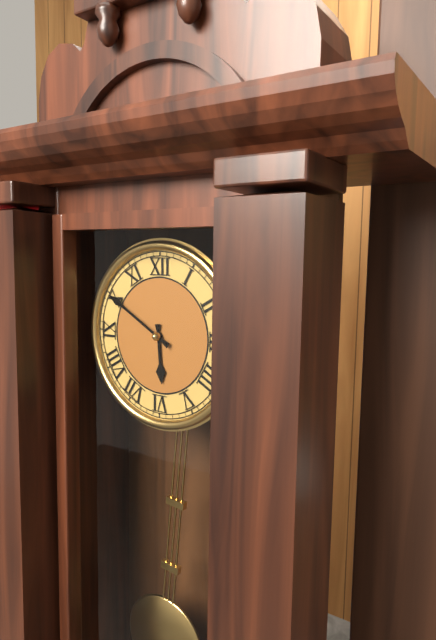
h=5 m=50
